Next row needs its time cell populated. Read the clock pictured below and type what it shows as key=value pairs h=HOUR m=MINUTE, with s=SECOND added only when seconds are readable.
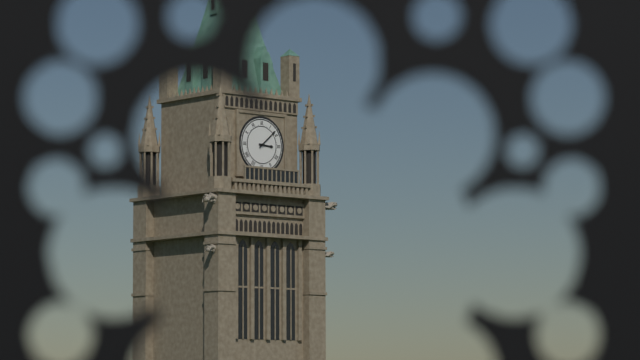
h=3 m=8
